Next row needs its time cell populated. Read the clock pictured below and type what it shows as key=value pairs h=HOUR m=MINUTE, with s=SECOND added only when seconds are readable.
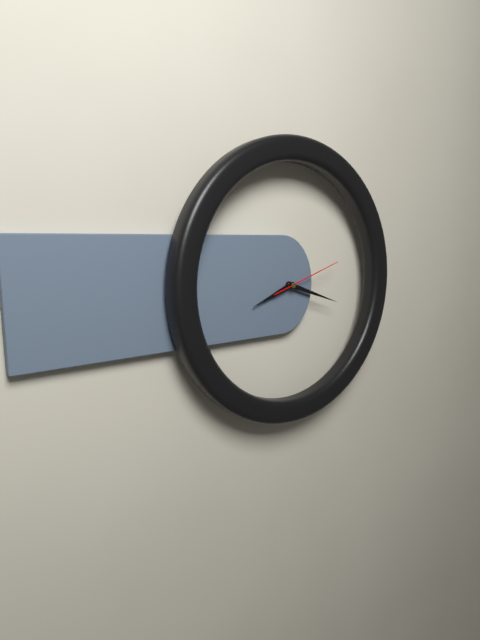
h=8 m=18 s=12
